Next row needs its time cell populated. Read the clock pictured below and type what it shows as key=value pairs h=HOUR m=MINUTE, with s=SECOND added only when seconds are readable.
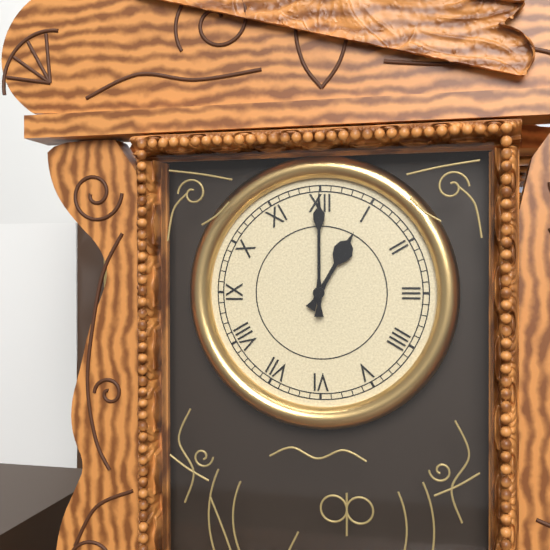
h=1 m=0
